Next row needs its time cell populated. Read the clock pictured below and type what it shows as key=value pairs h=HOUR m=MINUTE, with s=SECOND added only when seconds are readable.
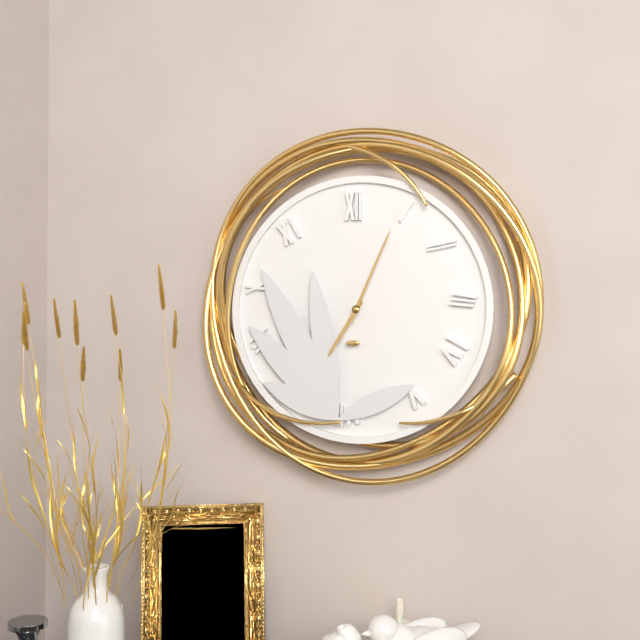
h=7 m=4
